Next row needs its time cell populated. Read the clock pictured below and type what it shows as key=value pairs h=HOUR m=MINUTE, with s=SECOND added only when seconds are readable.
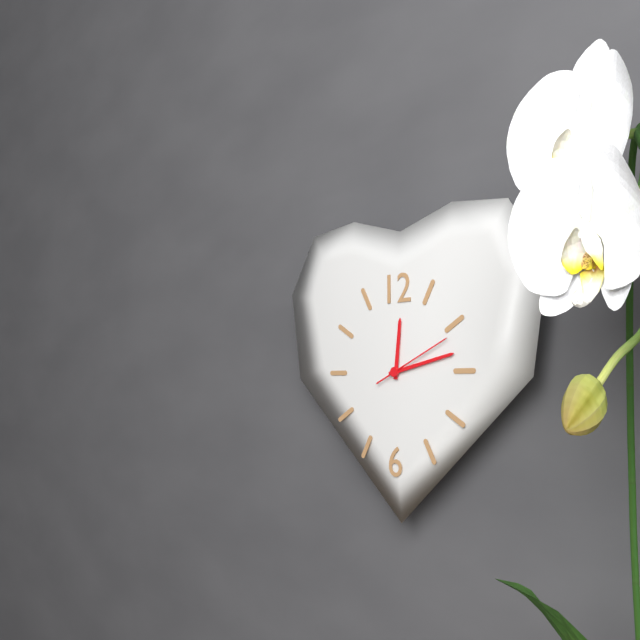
h=12 m=13 s=11
